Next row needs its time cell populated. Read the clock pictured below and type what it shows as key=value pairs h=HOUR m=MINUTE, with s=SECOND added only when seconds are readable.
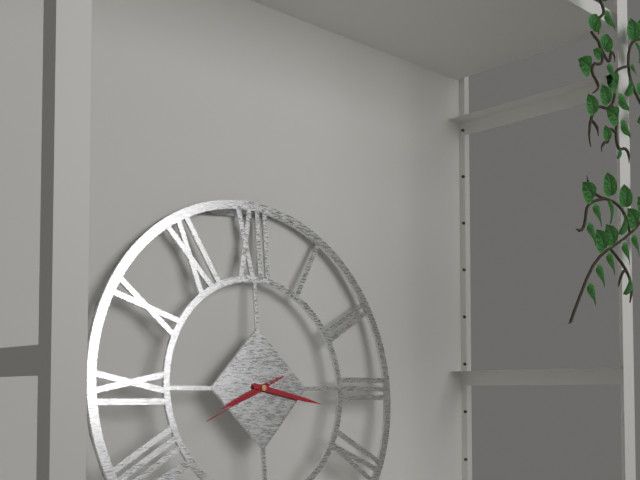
h=8 m=17 s=41
